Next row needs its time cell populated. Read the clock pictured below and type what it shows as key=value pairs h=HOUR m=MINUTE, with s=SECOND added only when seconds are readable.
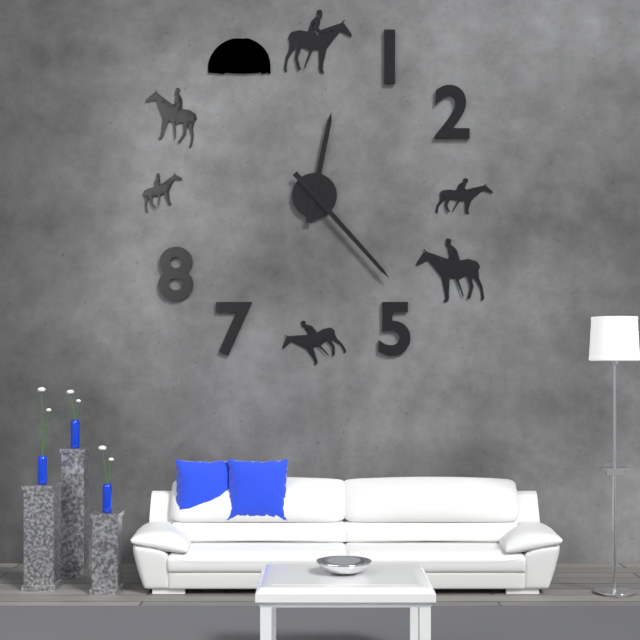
h=12 m=23
